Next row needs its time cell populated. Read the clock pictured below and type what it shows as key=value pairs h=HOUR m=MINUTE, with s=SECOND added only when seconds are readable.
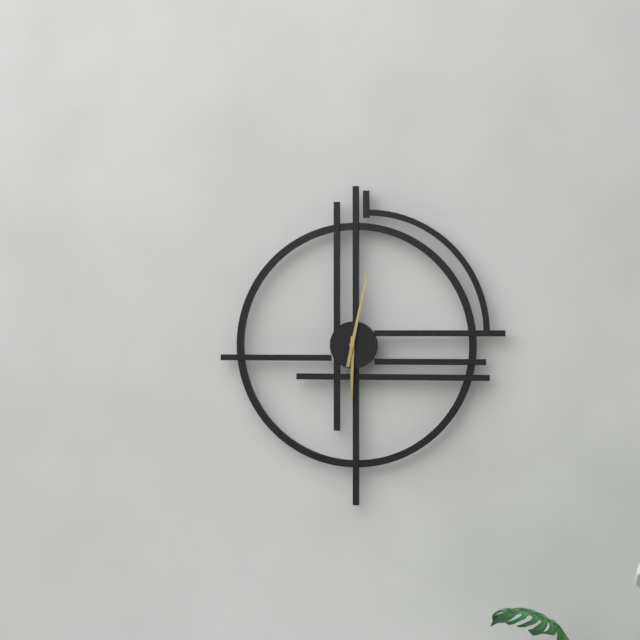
h=6 m=2
